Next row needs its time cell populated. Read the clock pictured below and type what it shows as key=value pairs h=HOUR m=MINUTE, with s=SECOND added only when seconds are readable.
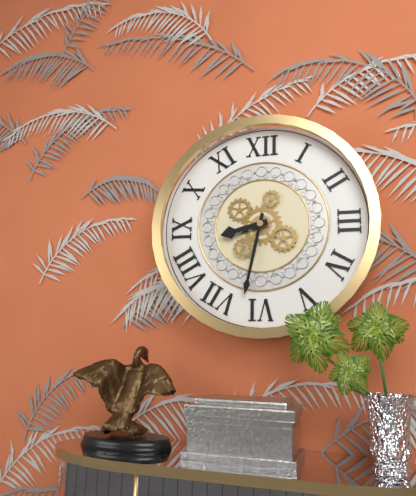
h=8 m=32
